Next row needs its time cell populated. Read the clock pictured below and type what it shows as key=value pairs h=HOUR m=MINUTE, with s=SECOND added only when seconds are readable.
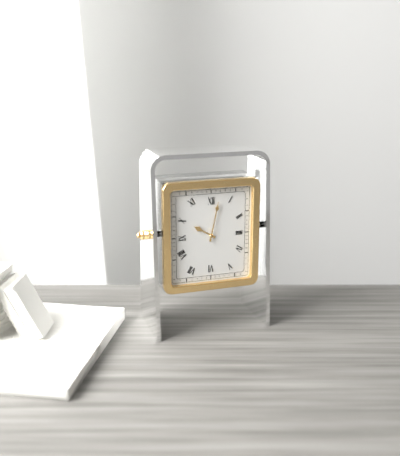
h=10 m=2
